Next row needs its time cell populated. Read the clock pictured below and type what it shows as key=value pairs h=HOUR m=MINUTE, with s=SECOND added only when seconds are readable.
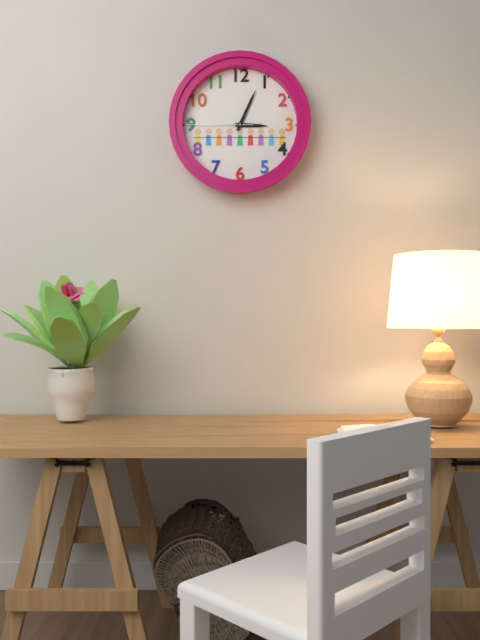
h=3 m=4 s=45
